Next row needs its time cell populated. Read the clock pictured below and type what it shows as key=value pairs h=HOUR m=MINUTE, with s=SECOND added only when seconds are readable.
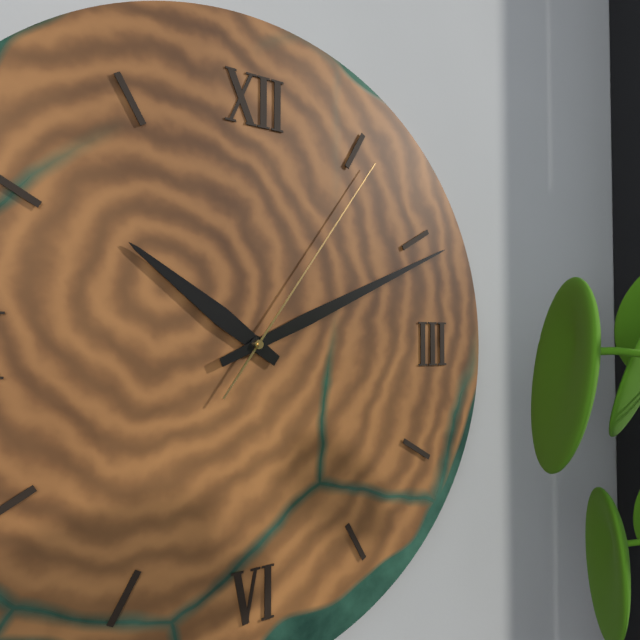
h=10 m=11 s=6
